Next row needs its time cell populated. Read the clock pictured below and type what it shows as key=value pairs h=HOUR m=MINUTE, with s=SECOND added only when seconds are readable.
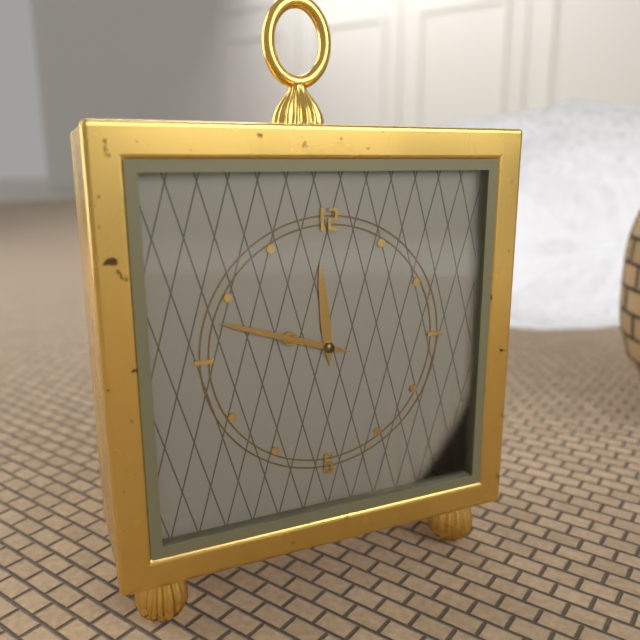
h=11 m=48
